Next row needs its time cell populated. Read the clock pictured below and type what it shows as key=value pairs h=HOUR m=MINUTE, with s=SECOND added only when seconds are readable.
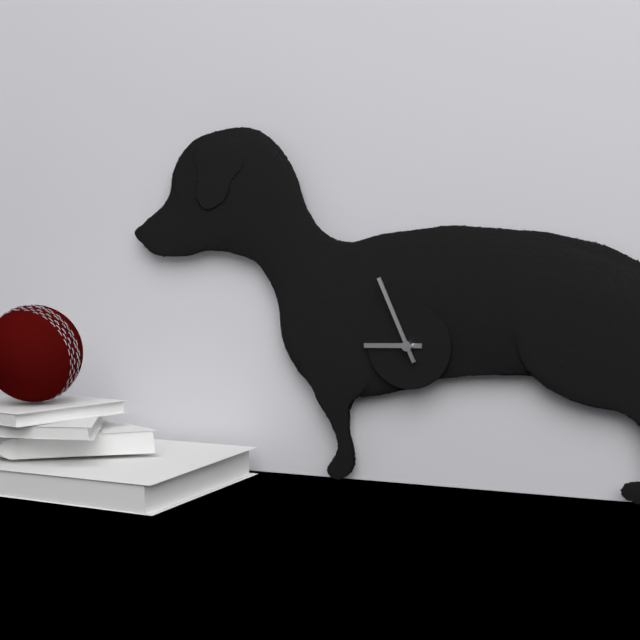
h=8 m=56
